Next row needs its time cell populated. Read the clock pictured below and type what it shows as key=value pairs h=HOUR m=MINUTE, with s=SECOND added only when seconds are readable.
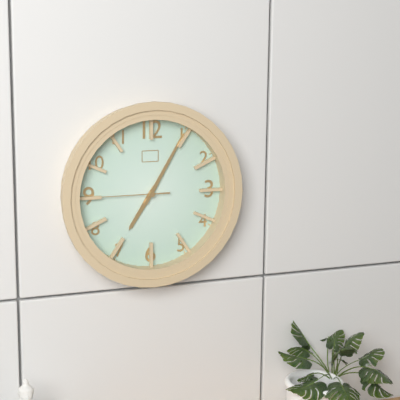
h=7 m=5
